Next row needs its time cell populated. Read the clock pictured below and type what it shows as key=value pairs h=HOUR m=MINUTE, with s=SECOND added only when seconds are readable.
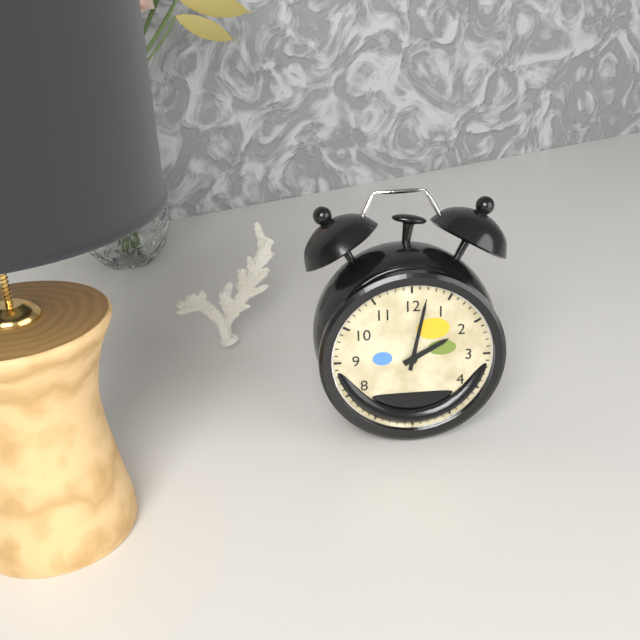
h=2 m=2
